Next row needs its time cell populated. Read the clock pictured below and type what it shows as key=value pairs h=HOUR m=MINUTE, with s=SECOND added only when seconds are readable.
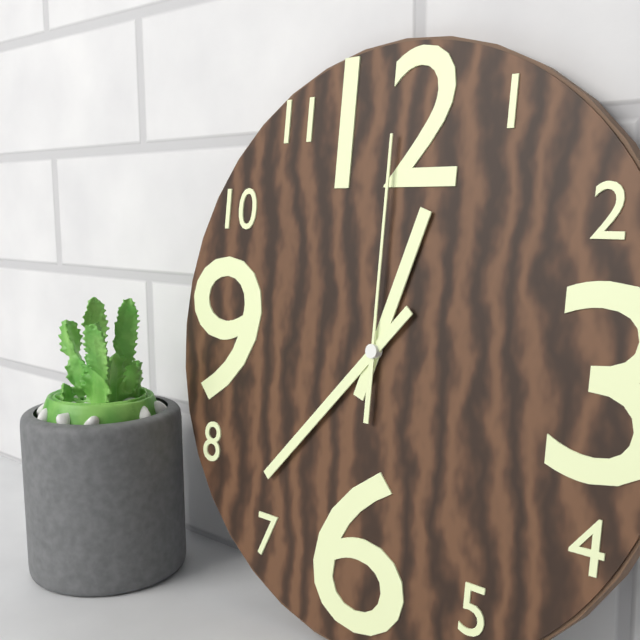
h=12 m=37 s=0
